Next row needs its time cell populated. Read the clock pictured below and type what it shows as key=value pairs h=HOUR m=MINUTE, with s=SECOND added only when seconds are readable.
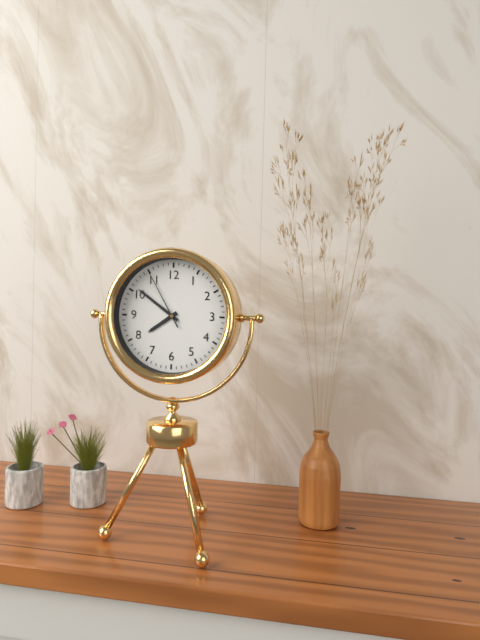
h=7 m=51 s=55
